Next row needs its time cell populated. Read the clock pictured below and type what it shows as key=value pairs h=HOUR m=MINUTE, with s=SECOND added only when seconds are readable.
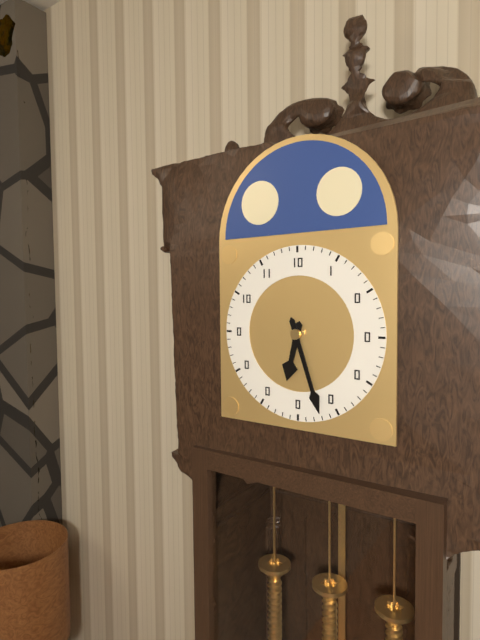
h=6 m=27
